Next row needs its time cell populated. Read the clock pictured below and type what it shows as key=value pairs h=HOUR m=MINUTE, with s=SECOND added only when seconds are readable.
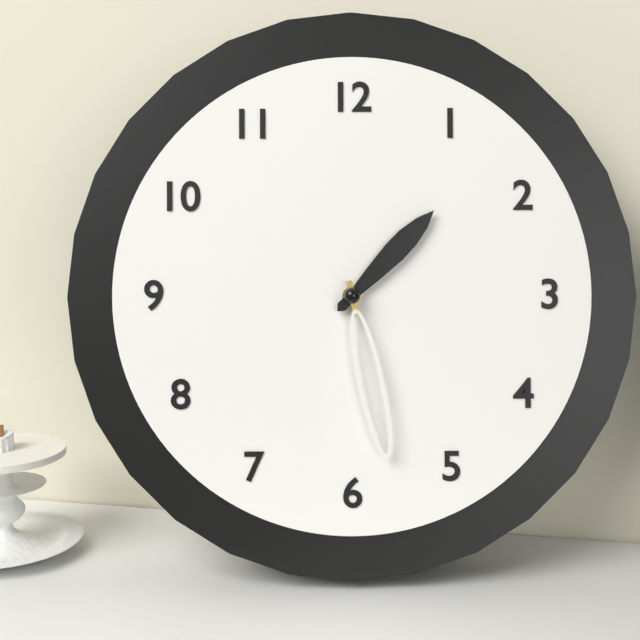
h=1 m=28
